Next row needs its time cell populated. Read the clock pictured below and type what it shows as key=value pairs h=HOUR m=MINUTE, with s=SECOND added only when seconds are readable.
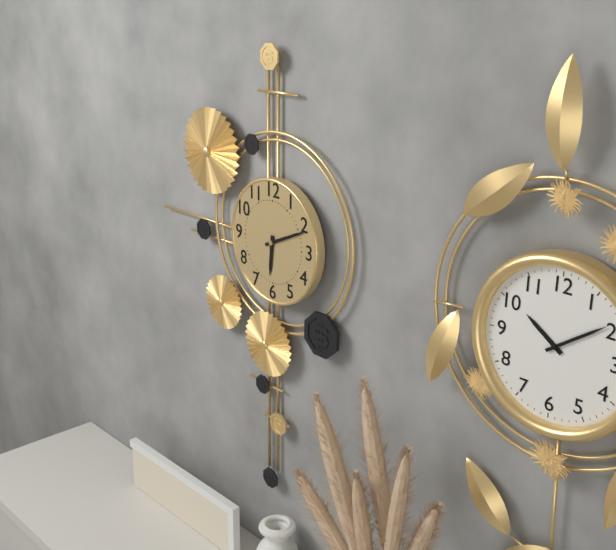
h=6 m=11
